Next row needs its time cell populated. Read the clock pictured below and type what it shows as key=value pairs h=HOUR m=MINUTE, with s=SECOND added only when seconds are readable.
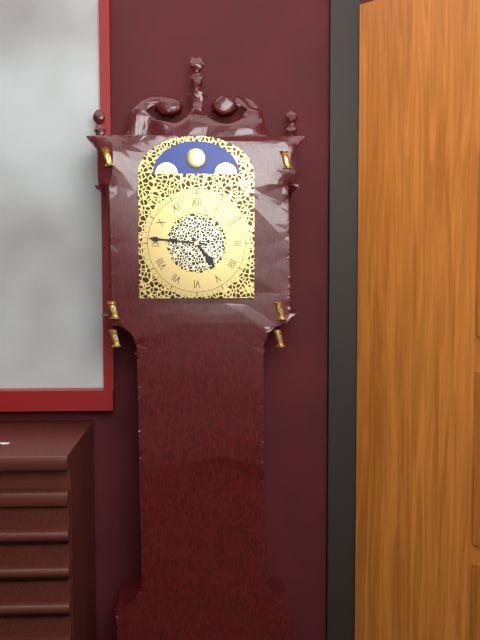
h=4 m=46
